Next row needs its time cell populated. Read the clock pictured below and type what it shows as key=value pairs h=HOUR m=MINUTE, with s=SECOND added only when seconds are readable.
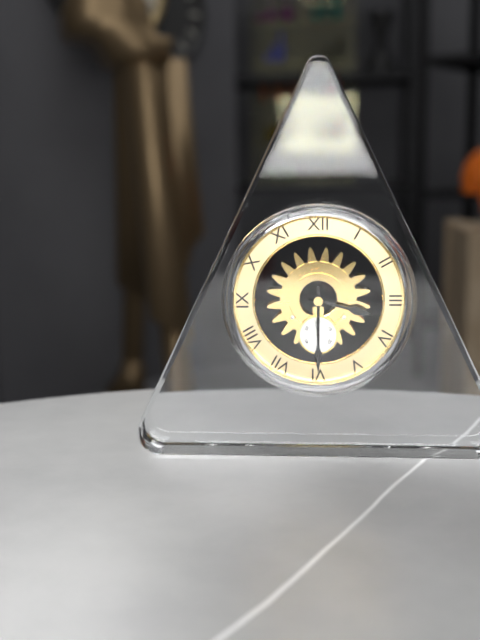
h=3 m=30
